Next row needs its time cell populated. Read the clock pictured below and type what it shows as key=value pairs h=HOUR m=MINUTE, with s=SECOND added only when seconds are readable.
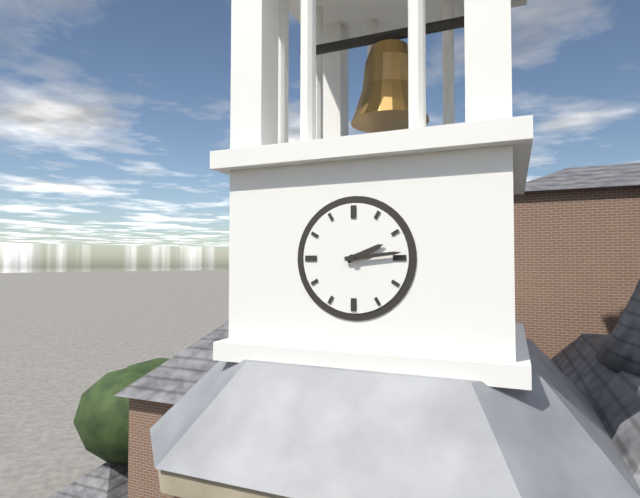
h=2 m=14
